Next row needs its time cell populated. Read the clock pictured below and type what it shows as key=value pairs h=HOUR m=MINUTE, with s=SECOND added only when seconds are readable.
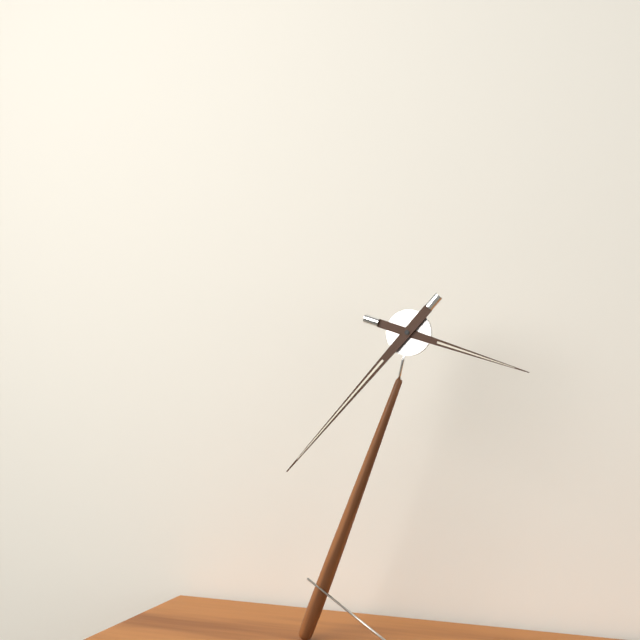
h=3 m=37
